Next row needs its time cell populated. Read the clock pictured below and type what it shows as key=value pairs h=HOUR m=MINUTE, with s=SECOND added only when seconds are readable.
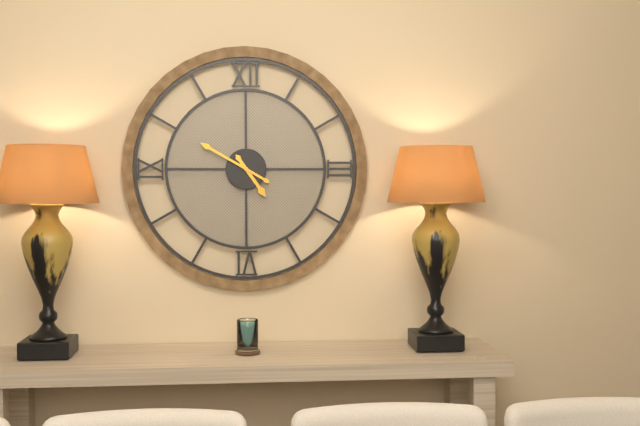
h=4 m=50
